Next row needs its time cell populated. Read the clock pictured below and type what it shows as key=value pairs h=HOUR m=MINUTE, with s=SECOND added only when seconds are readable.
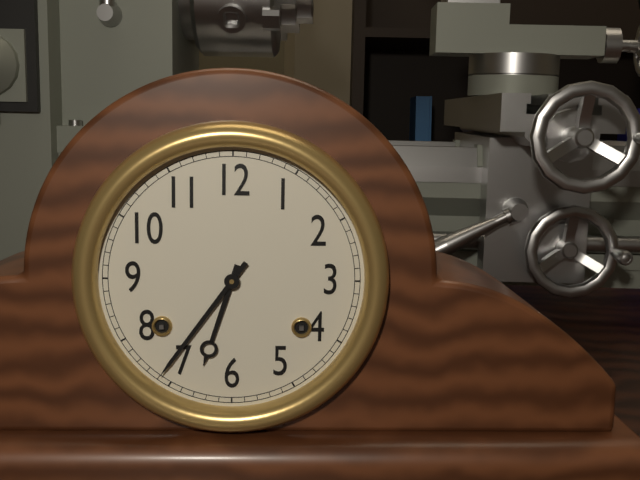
h=6 m=36
